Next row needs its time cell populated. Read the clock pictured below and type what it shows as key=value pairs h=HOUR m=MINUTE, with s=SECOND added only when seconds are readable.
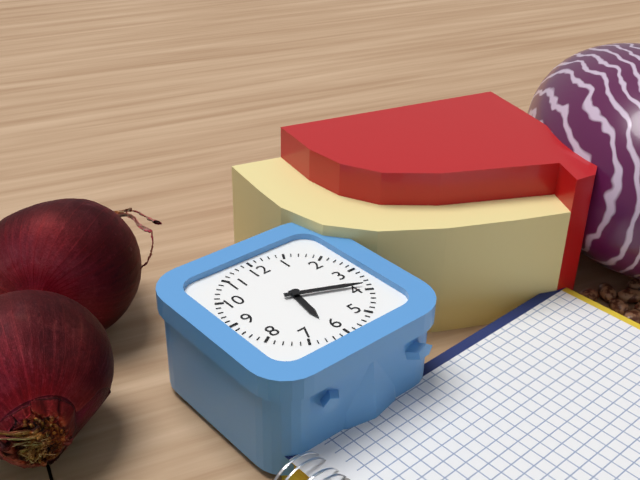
h=6 m=19
